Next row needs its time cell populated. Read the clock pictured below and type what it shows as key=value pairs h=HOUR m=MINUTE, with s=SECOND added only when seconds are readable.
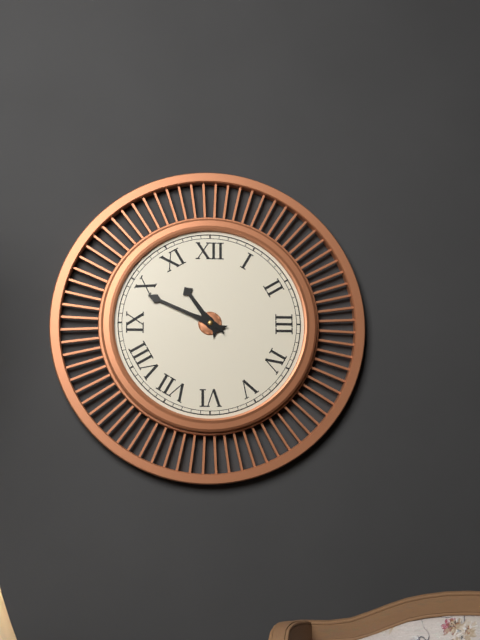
h=10 m=49
